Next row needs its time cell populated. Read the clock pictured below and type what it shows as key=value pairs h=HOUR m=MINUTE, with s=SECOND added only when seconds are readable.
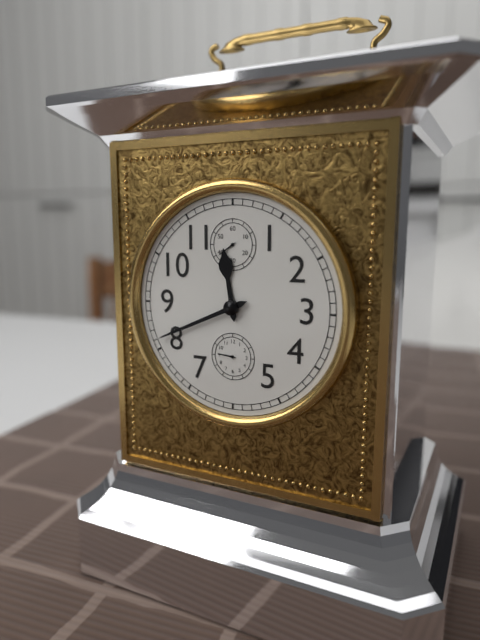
h=11 m=41
